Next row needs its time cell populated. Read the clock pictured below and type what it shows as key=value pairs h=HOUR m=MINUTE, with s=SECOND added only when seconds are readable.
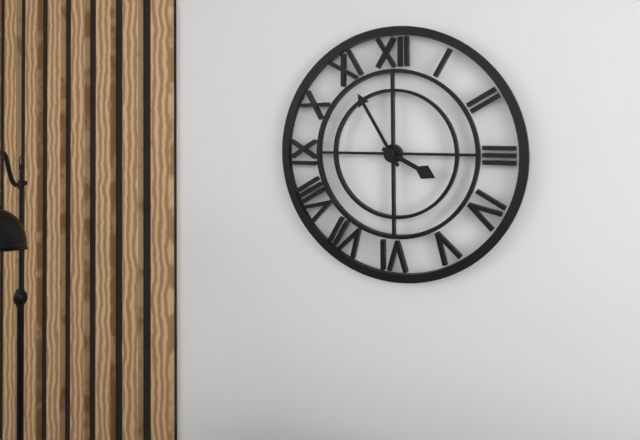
h=3 m=55
